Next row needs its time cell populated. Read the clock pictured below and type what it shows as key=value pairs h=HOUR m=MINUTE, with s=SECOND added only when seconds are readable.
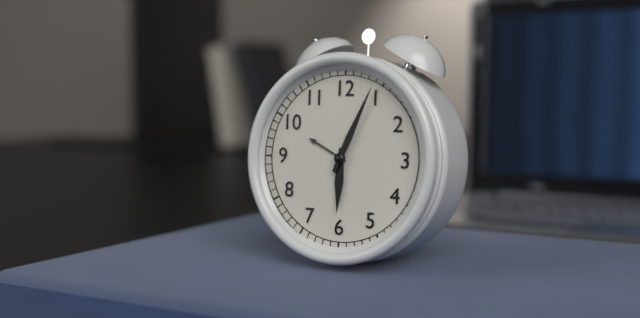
h=6 m=4
